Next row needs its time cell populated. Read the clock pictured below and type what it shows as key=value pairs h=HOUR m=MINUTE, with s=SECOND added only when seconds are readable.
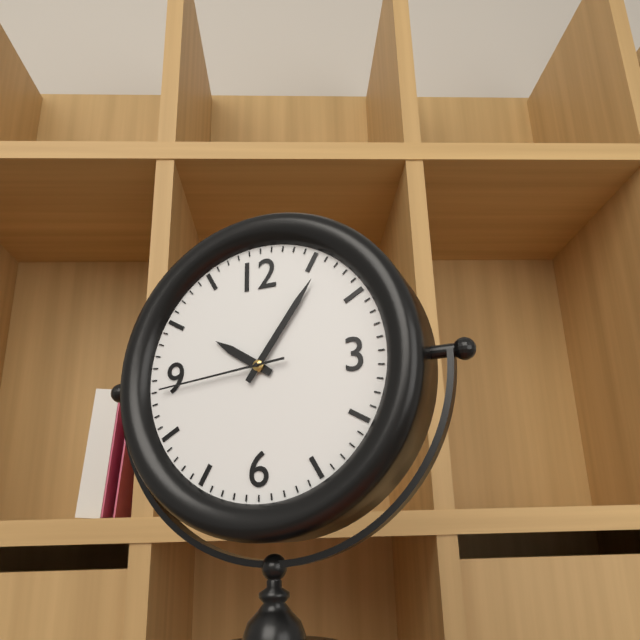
h=10 m=6 s=44
